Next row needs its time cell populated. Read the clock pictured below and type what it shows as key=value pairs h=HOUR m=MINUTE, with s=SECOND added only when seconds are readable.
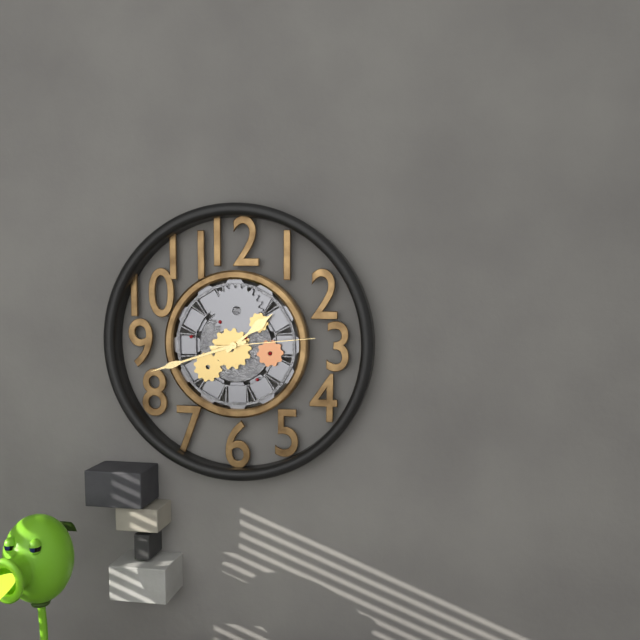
h=1 m=42 s=14
